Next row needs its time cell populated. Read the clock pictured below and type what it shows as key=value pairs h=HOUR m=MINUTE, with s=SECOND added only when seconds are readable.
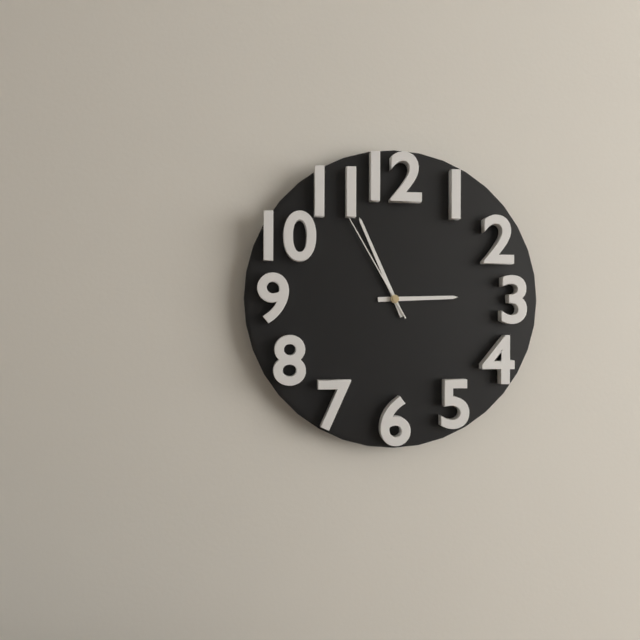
h=2 m=56 s=55
